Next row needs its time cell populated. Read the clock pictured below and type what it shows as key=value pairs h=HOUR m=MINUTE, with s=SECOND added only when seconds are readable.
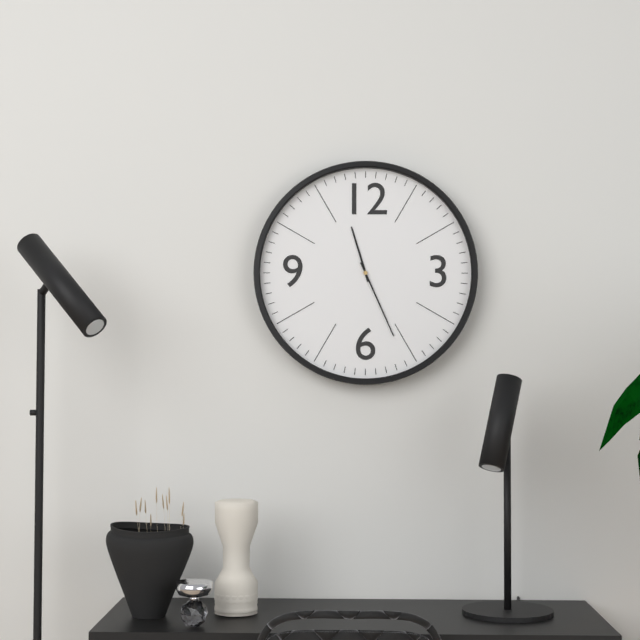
h=11 m=26
